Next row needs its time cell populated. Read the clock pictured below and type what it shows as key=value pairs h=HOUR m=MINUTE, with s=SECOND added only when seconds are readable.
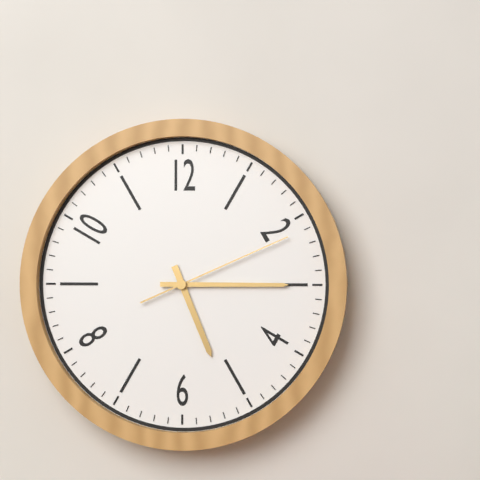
h=5 m=15 s=11
